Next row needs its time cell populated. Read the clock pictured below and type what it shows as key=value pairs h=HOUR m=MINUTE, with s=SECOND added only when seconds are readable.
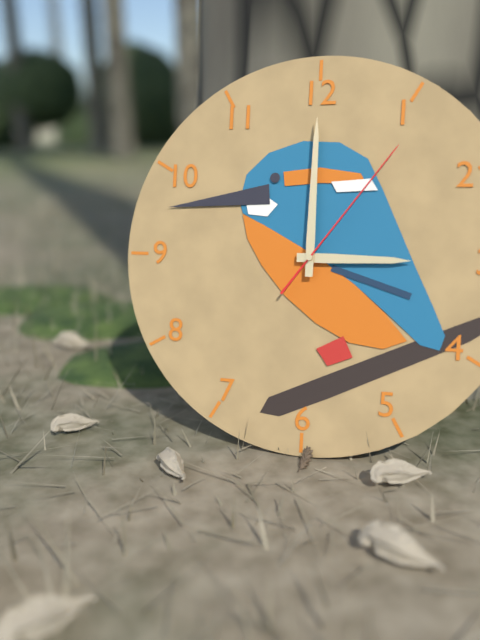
h=3 m=0 s=6
